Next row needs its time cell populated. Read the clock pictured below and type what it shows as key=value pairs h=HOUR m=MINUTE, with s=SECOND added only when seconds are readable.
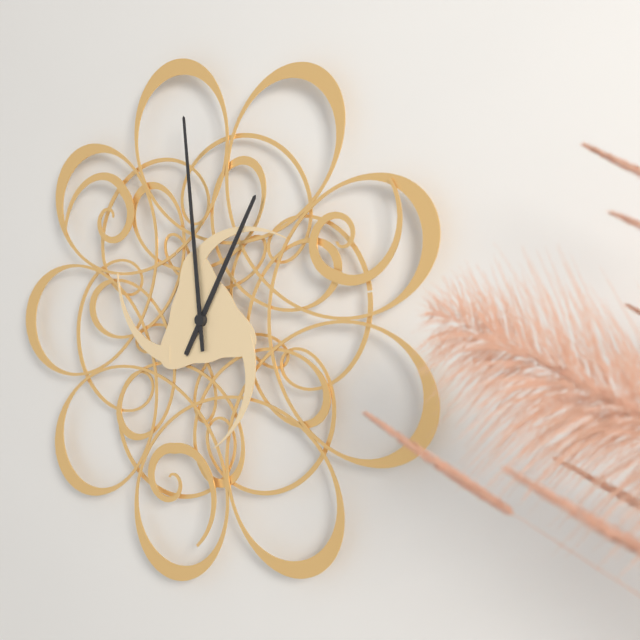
h=12 m=59
